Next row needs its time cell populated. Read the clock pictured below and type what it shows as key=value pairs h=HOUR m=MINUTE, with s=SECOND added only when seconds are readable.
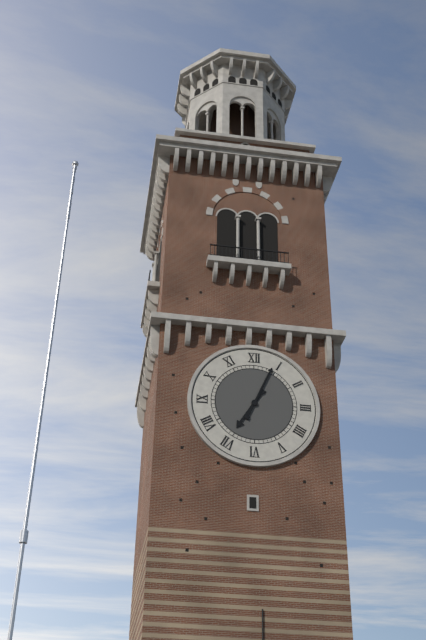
h=7 m=4
